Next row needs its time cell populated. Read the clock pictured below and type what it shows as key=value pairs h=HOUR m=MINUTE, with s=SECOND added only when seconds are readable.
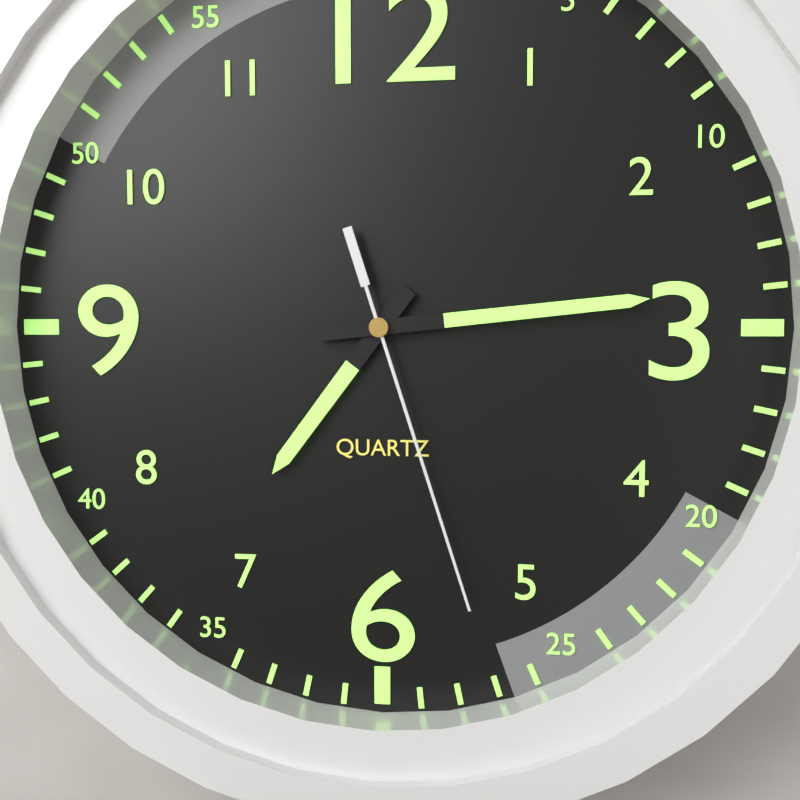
h=7 m=14 s=27
